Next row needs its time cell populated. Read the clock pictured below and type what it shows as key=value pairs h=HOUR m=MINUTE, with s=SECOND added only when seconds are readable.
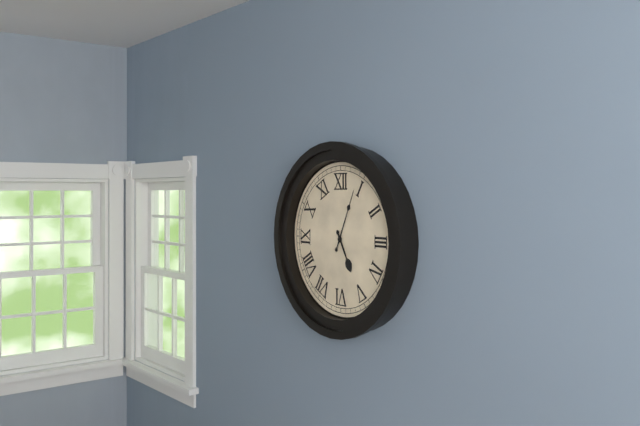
h=5 m=4
